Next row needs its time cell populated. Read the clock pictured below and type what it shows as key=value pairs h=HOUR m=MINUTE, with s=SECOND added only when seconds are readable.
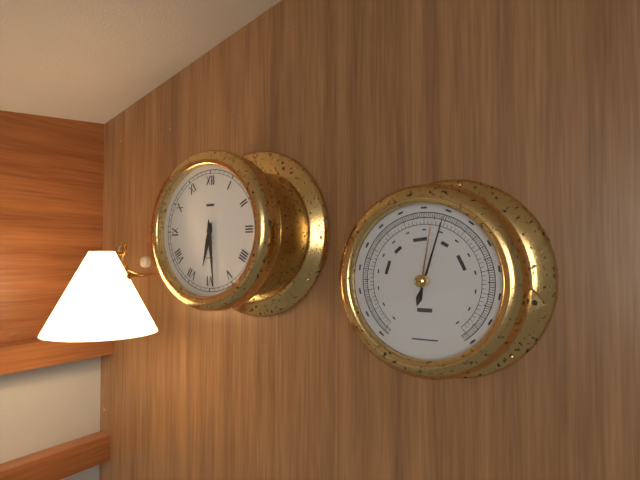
h=6 m=29
